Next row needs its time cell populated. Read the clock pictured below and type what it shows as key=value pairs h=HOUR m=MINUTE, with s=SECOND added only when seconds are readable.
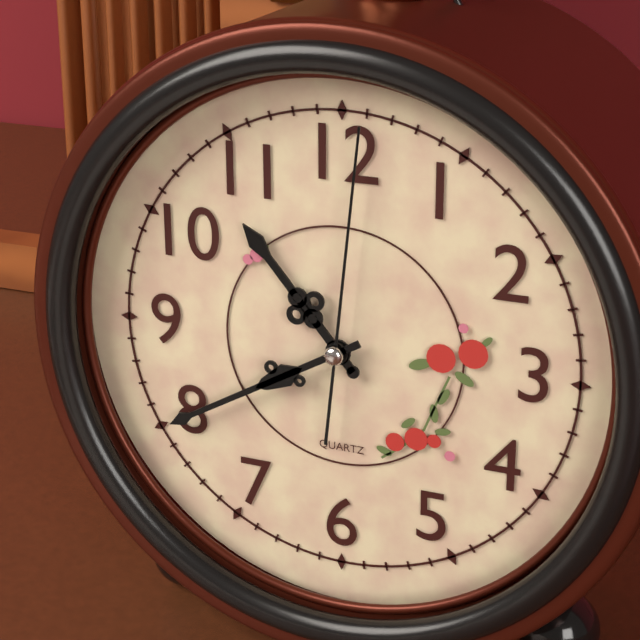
h=10 m=40 s=1
